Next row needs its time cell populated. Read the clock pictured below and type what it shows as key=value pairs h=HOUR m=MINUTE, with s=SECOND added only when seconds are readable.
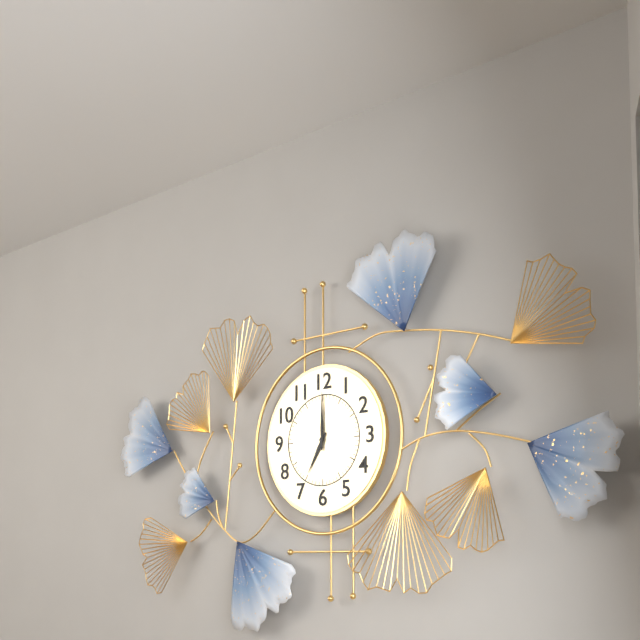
h=7 m=0
